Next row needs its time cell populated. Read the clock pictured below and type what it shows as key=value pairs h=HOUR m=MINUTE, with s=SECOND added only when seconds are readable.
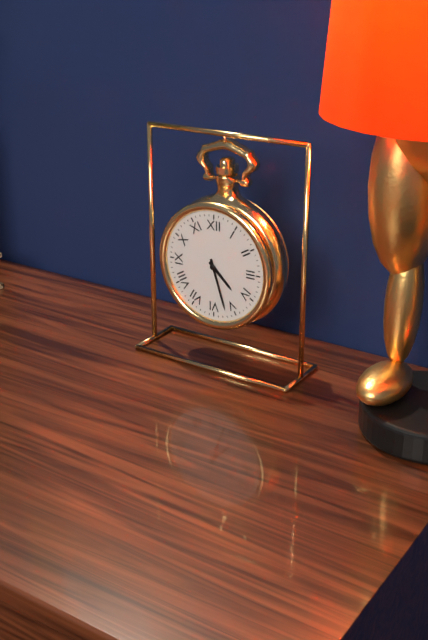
h=4 m=27
